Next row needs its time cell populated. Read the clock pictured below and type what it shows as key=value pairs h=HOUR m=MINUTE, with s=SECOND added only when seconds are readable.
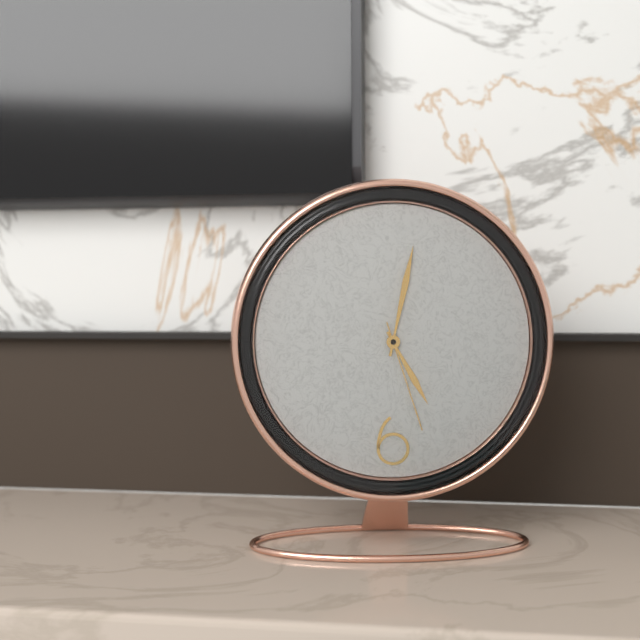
h=5 m=2 s=27
